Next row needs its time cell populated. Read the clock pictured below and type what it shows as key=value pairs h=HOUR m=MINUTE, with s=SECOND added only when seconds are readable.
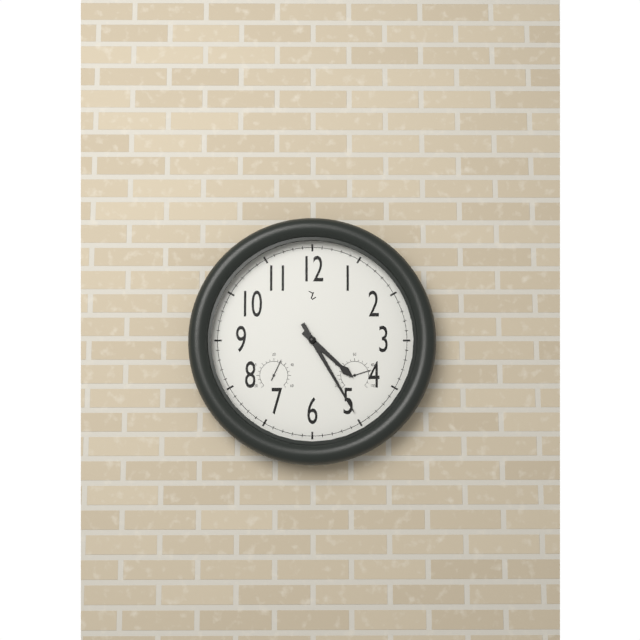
h=4 m=25
